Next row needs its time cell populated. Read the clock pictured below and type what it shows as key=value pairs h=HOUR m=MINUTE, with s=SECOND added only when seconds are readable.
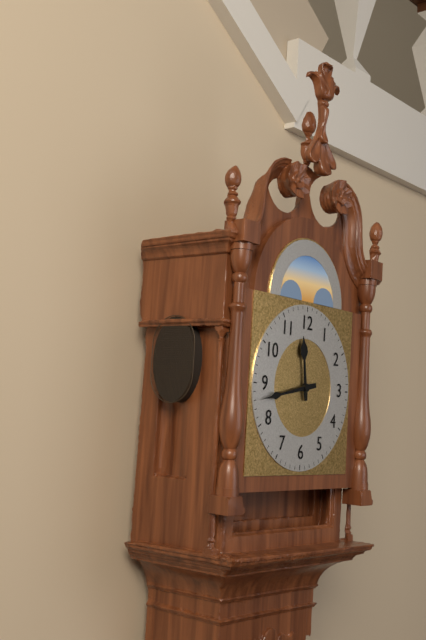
h=11 m=43
